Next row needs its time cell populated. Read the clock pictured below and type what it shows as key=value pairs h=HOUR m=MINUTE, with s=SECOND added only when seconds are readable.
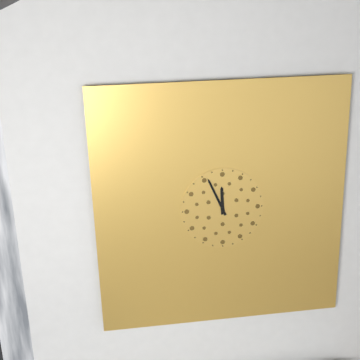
h=11 m=56
